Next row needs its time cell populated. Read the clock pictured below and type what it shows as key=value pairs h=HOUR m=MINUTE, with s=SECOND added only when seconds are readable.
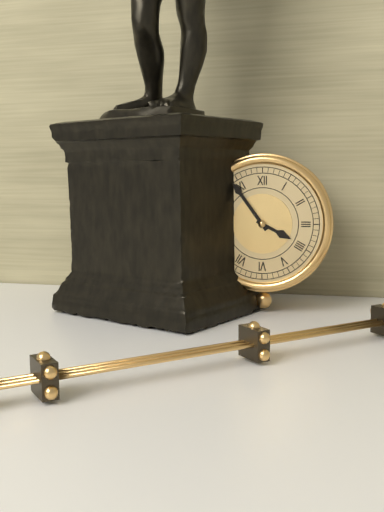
h=3 m=54
